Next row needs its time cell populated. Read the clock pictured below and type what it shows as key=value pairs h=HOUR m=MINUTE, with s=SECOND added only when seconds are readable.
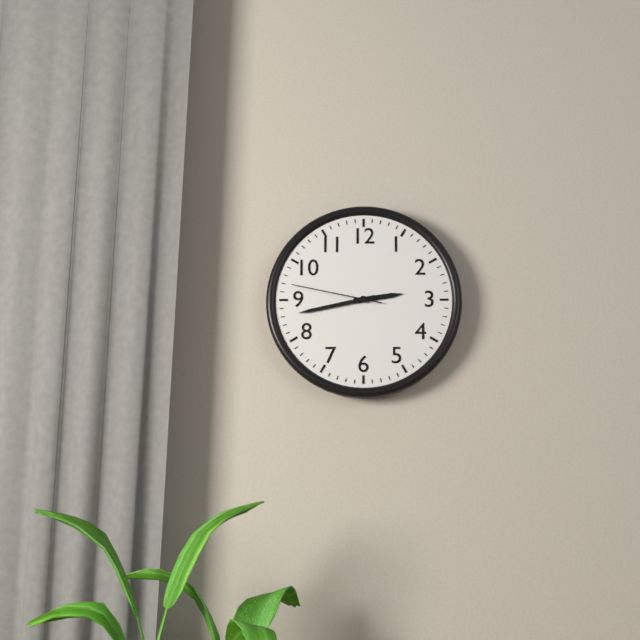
h=2 m=43 s=47
